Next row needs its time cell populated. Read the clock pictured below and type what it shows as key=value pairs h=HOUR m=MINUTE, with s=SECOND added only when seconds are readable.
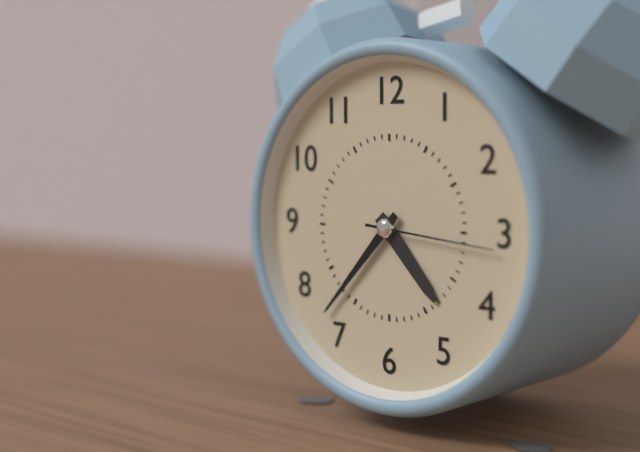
h=4 m=37 s=16
